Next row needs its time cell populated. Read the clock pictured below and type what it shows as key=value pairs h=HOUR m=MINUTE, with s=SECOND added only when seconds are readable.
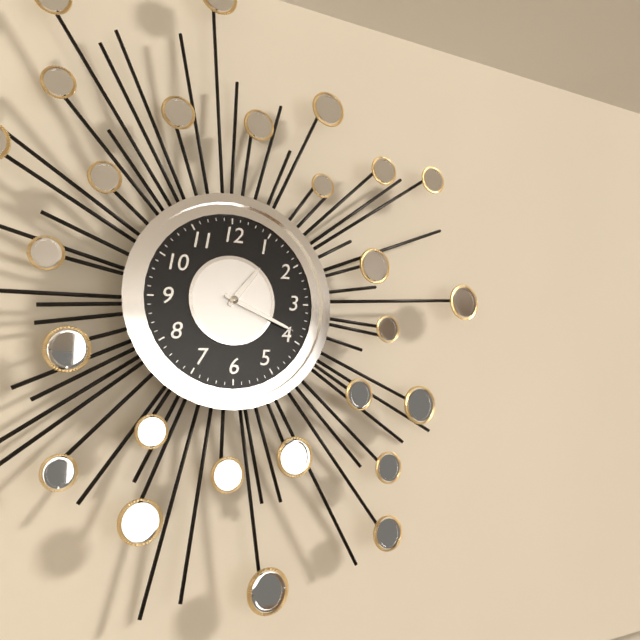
h=1 m=19
